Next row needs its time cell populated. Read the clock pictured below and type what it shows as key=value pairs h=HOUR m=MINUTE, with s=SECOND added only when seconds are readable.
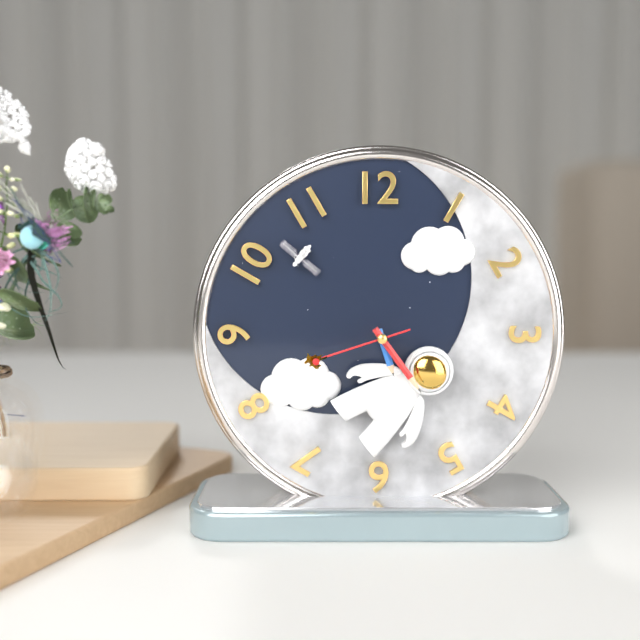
h=5 m=24 s=42
